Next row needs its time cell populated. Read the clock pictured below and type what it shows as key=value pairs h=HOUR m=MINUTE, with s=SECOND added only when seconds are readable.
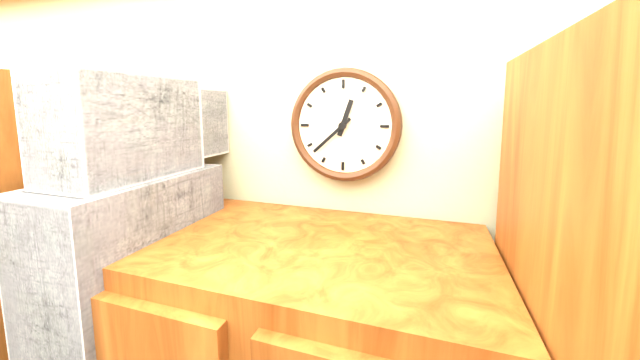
h=12 m=38
